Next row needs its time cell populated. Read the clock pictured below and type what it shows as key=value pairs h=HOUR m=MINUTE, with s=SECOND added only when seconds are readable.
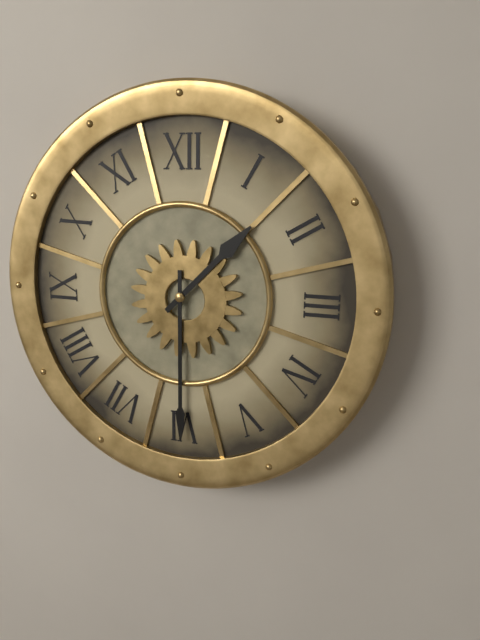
h=1 m=30
